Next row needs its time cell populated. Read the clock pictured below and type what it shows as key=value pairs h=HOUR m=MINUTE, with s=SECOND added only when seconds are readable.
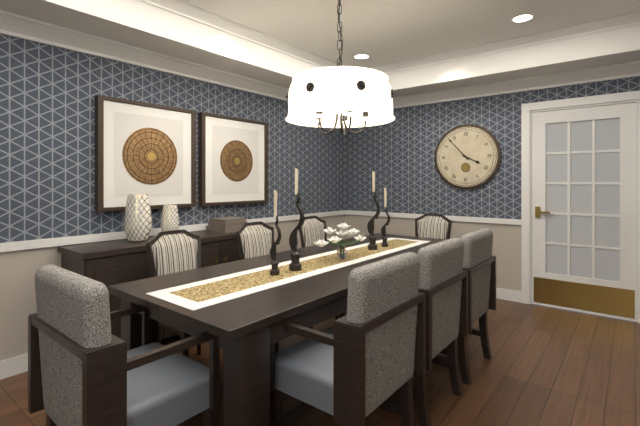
h=3 m=53
